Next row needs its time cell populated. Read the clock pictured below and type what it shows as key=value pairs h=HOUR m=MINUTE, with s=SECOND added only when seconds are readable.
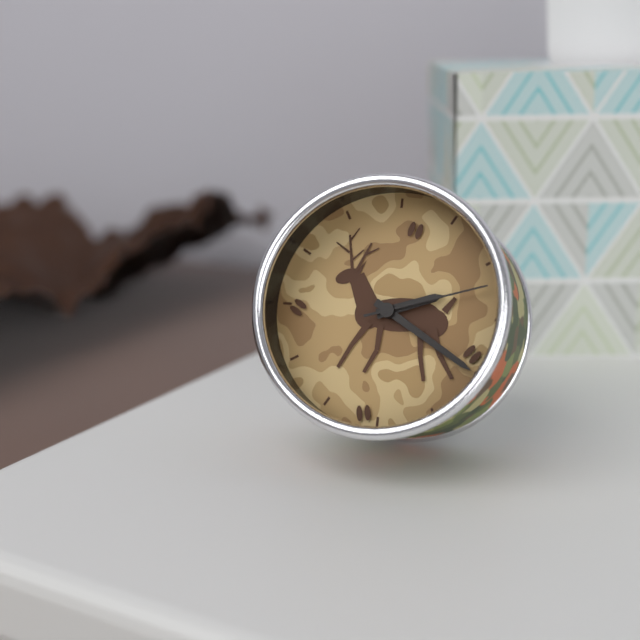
h=2 m=20 s=12
